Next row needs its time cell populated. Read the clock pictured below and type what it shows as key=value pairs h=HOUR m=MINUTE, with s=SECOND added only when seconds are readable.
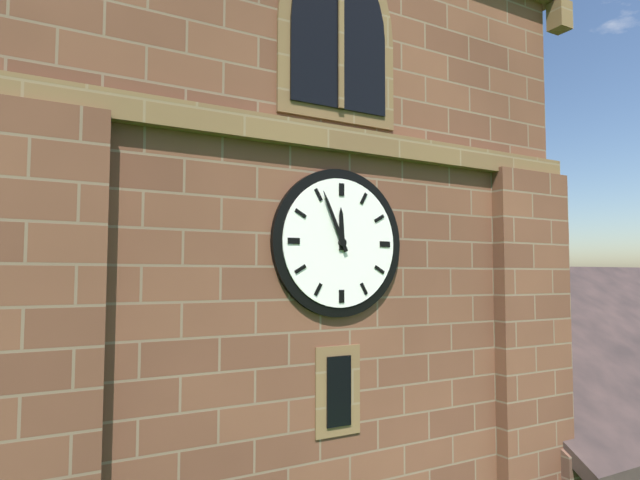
h=11 m=56
